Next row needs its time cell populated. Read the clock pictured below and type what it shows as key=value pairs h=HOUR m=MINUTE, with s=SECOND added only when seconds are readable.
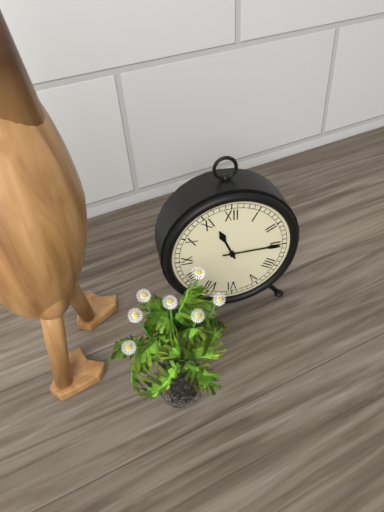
h=11 m=15
